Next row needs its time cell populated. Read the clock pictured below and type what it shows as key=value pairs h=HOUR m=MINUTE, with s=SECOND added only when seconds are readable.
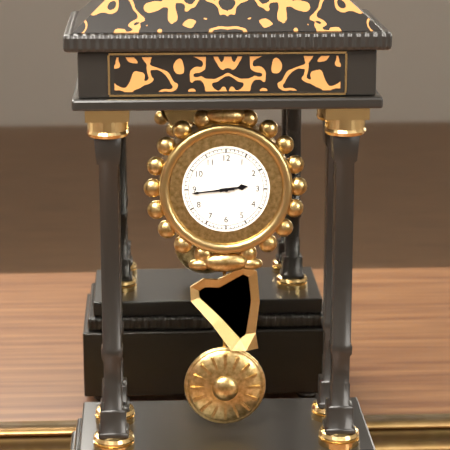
h=2 m=44
